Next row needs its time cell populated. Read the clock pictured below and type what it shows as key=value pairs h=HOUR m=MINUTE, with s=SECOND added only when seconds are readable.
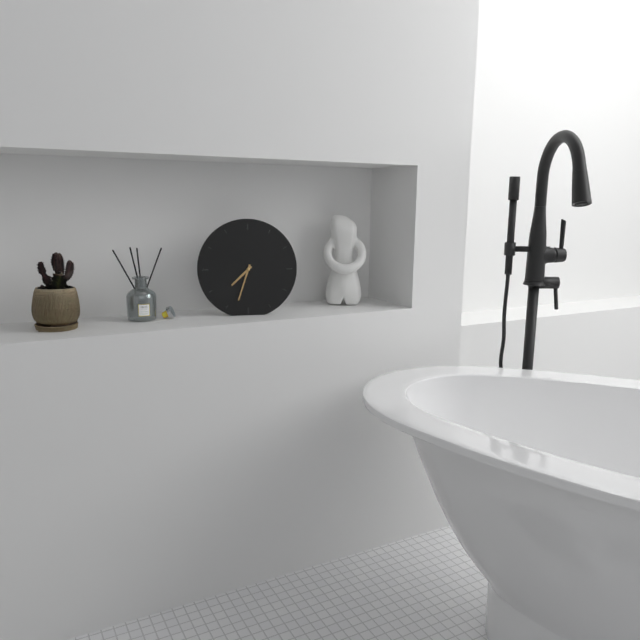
h=7 m=33
